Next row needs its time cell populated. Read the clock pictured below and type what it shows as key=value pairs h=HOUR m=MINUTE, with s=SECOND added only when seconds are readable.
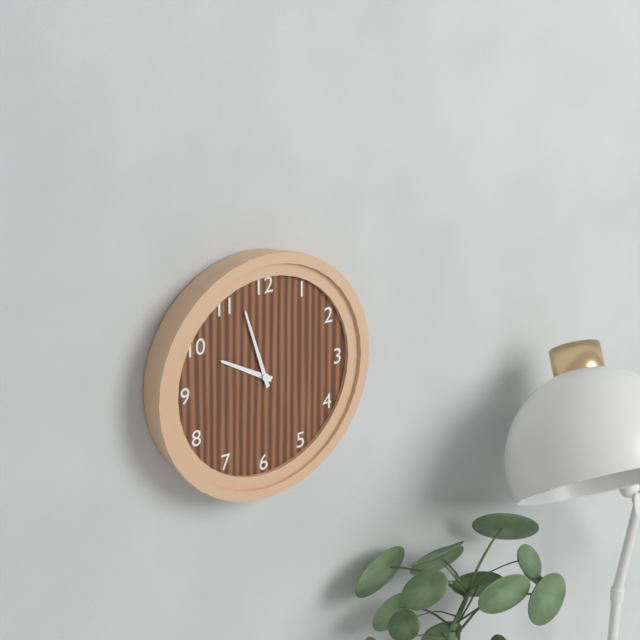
h=9 m=57
